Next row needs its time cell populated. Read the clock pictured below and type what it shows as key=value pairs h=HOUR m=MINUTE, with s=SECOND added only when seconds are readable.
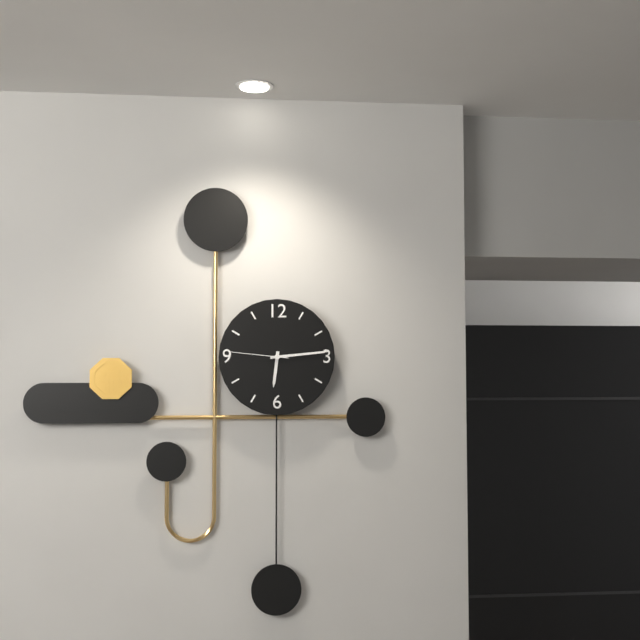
h=6 m=14 s=46
